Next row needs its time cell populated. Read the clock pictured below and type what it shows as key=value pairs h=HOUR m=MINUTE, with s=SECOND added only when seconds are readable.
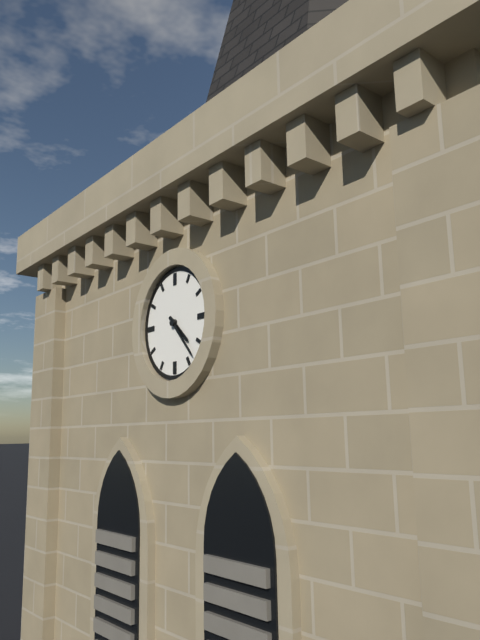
h=4 m=23
